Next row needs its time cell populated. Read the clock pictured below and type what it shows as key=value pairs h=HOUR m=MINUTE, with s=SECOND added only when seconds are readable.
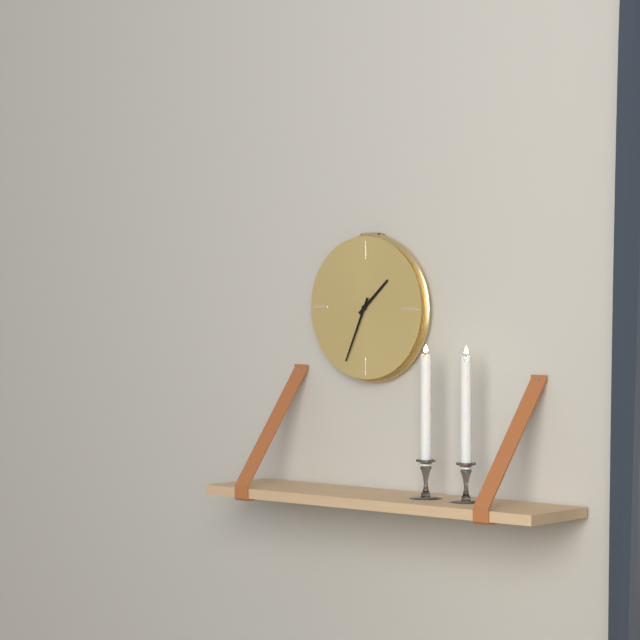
h=1 m=34
